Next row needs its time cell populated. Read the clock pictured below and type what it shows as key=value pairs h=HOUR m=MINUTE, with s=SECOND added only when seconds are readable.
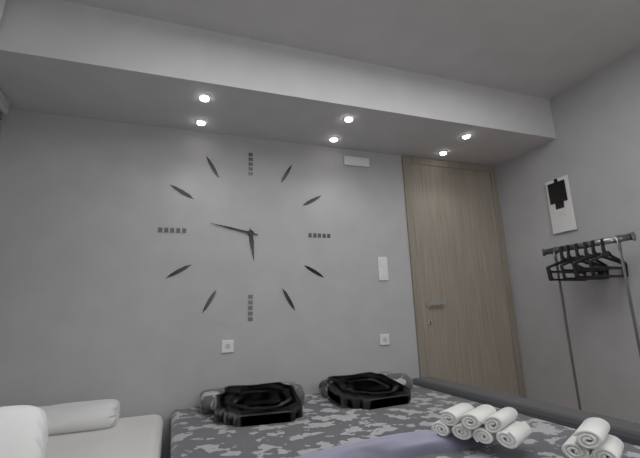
h=5 m=47
